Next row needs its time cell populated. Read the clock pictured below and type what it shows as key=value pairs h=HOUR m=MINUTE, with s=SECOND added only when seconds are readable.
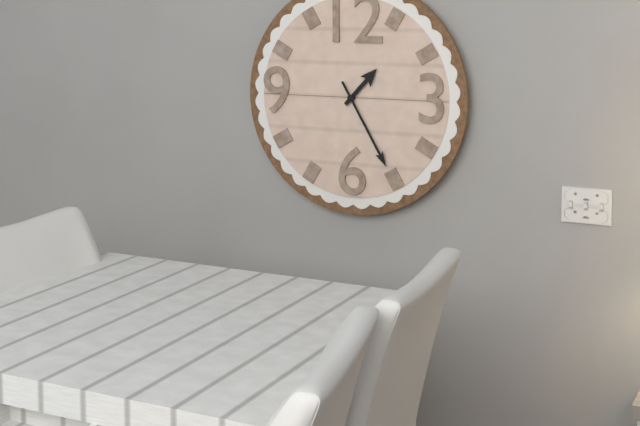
h=1 m=25
